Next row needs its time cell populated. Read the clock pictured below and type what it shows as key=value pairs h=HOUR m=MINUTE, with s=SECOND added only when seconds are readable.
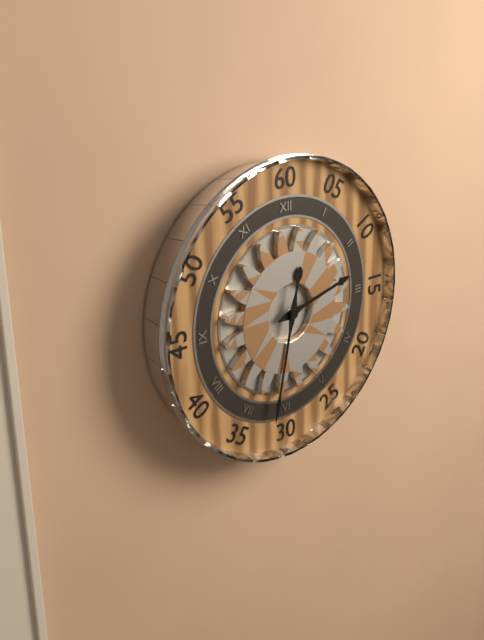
h=2 m=32
